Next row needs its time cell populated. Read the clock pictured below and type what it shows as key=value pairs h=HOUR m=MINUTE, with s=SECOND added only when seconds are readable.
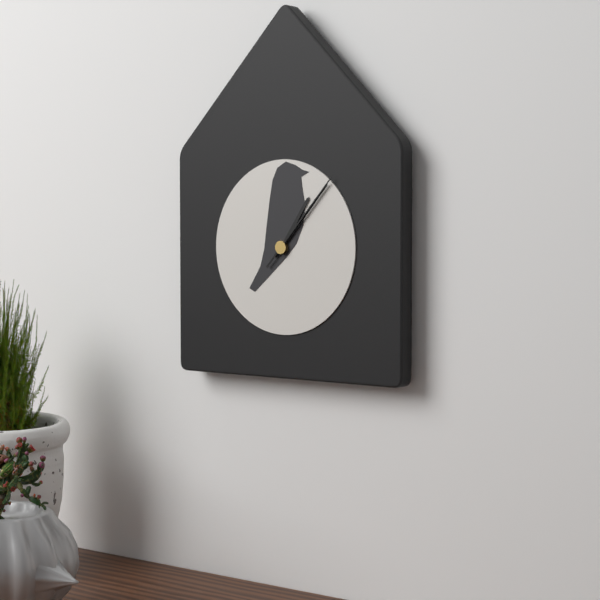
h=1 m=7 s=7
